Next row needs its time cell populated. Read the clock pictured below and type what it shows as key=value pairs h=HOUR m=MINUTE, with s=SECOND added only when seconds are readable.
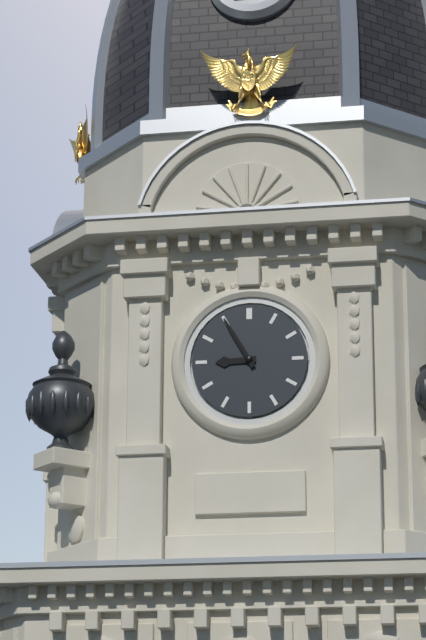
h=8 m=55
